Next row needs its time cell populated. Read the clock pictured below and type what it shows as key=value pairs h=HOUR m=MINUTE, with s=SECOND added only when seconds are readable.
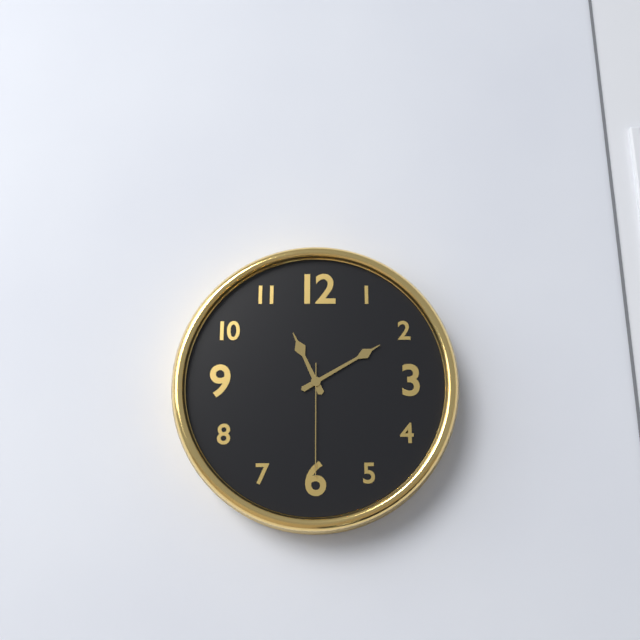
h=11 m=10 s=30
